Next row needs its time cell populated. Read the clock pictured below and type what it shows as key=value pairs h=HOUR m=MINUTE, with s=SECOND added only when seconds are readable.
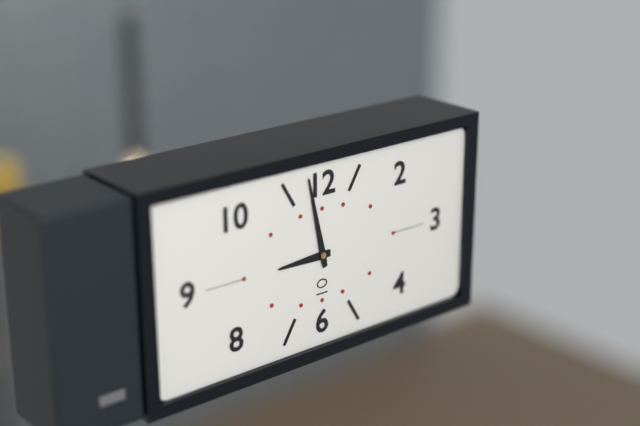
h=8 m=58
